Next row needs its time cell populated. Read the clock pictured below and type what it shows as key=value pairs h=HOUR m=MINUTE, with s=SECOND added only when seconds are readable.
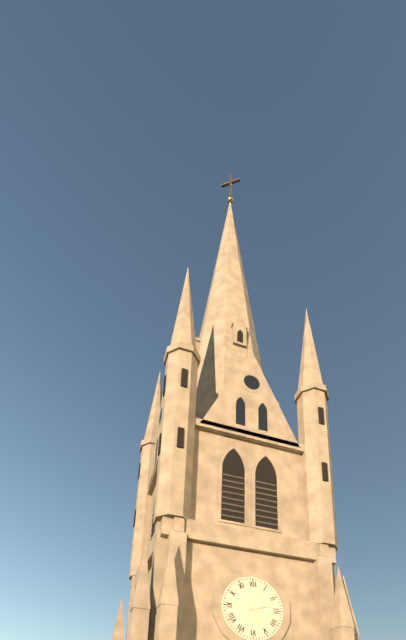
h=2 m=26
